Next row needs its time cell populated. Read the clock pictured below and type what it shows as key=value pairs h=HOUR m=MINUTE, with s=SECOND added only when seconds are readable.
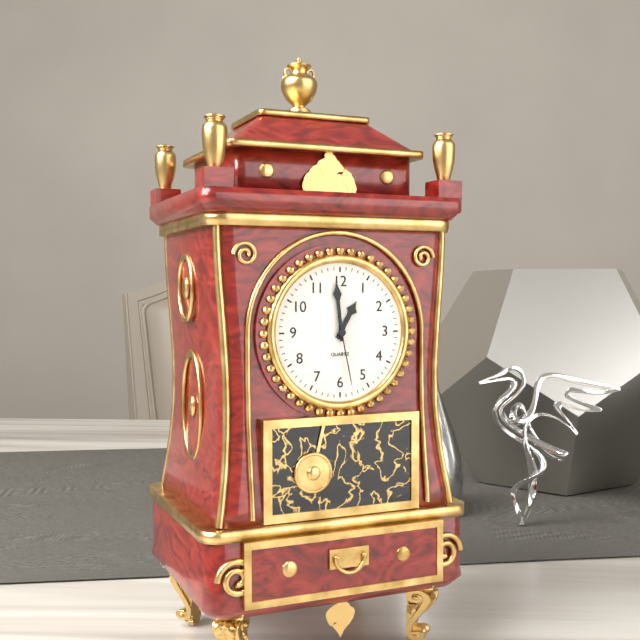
h=12 m=59 s=28
